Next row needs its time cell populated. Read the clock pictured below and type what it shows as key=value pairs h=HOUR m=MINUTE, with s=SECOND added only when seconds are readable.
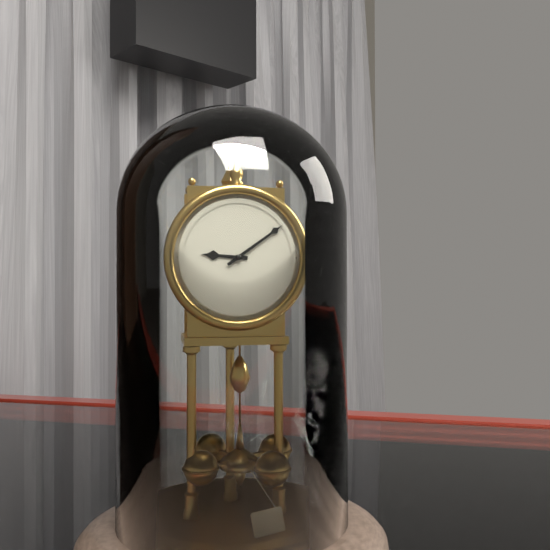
h=9 m=9
